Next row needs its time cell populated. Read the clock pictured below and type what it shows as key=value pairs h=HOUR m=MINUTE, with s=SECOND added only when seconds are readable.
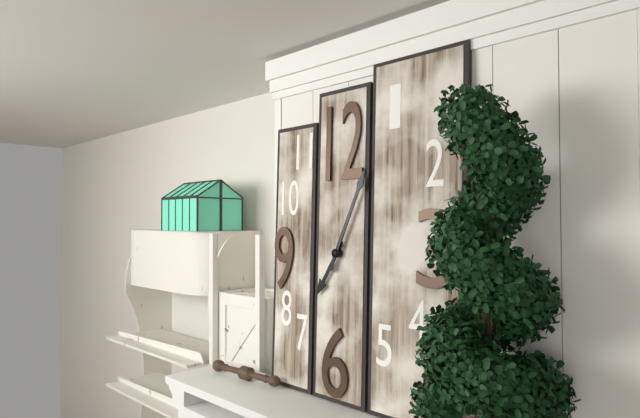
h=7 m=4
